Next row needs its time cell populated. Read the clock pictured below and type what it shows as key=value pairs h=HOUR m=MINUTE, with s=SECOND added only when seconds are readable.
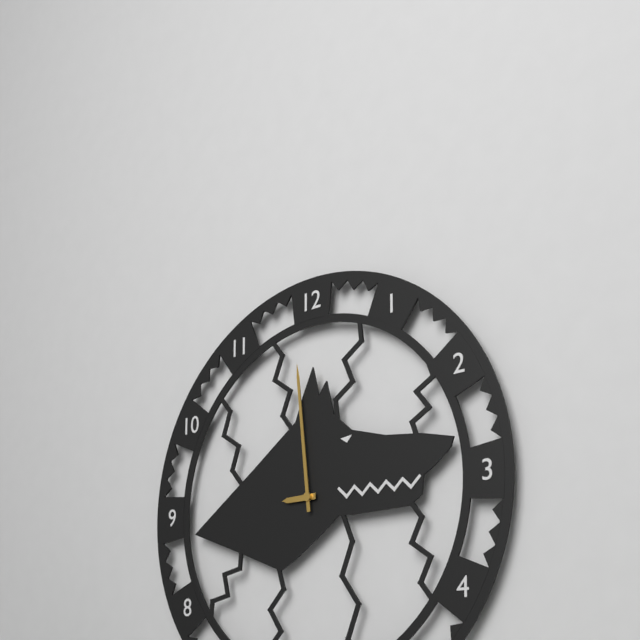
h=8 m=59
